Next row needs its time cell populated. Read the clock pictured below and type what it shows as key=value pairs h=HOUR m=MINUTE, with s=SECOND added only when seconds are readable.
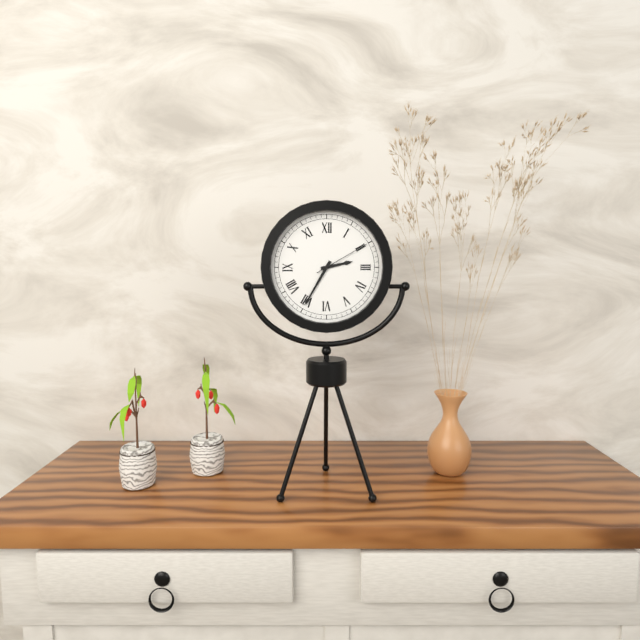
h=2 m=35 s=10
